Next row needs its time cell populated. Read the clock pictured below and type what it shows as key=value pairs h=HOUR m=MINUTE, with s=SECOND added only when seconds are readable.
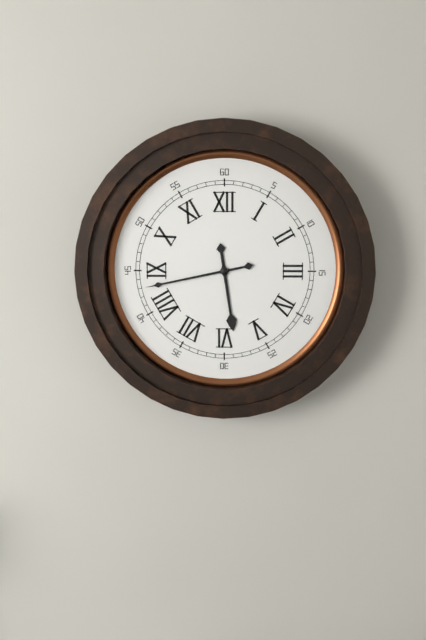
h=5 m=43
